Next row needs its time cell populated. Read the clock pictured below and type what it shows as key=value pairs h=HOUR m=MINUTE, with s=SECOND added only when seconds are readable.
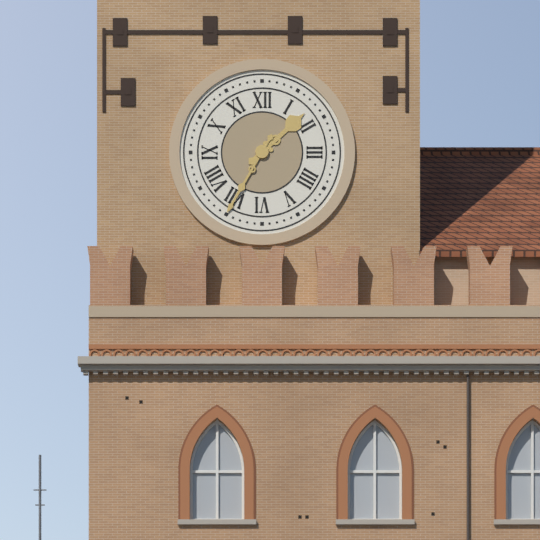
h=1 m=35
